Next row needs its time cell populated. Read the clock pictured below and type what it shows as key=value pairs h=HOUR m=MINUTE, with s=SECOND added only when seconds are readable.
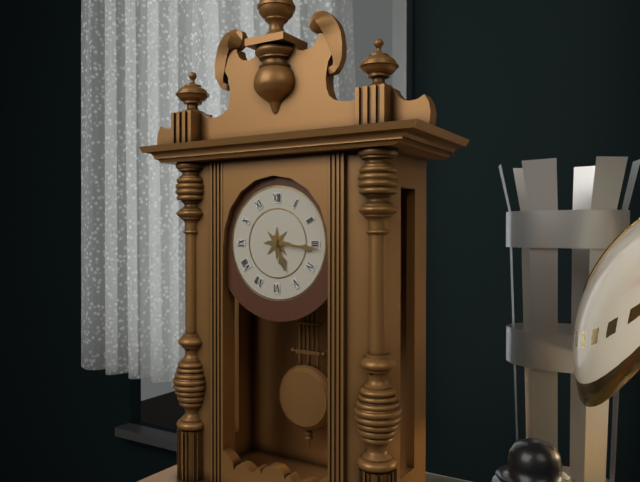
h=5 m=16
